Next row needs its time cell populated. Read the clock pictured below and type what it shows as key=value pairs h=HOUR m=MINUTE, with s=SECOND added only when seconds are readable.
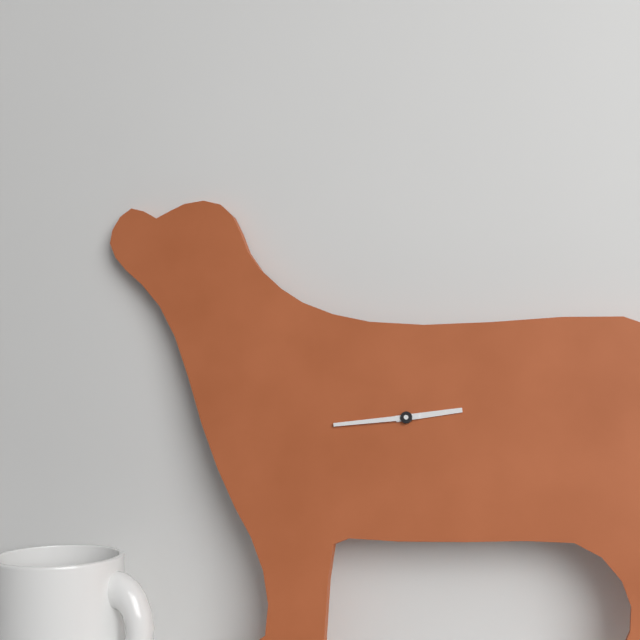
h=2 m=44
